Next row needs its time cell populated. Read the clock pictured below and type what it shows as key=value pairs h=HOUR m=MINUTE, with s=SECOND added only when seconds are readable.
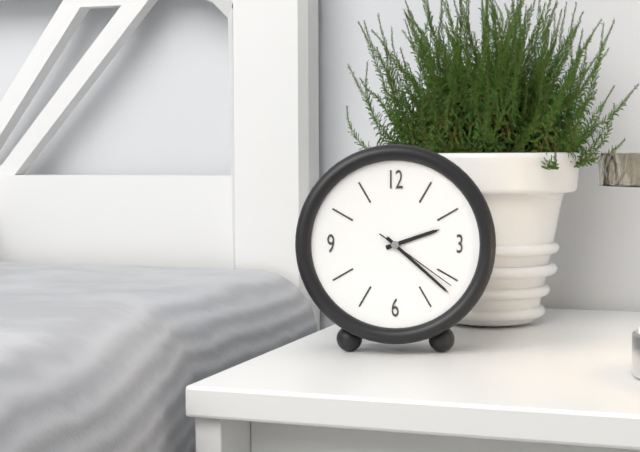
h=2 m=22 s=21
